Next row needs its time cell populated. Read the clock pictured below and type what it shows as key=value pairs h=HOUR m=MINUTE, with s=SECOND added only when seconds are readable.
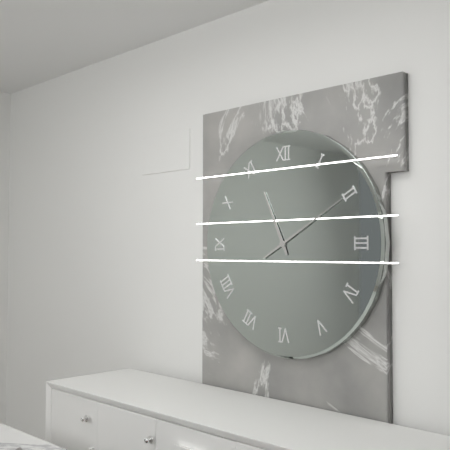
h=11 m=10
